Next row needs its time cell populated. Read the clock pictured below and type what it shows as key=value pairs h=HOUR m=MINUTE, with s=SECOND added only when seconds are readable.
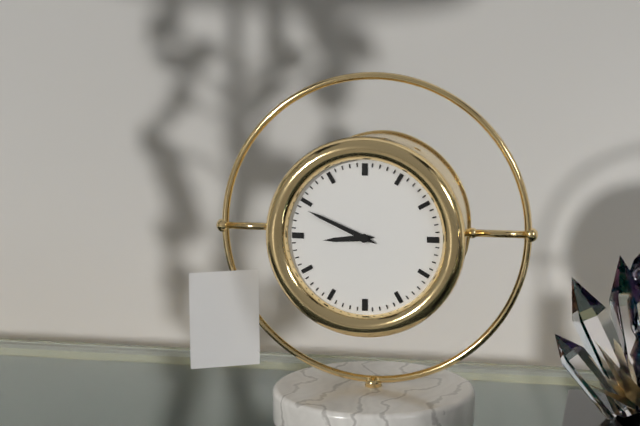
h=8 m=49
